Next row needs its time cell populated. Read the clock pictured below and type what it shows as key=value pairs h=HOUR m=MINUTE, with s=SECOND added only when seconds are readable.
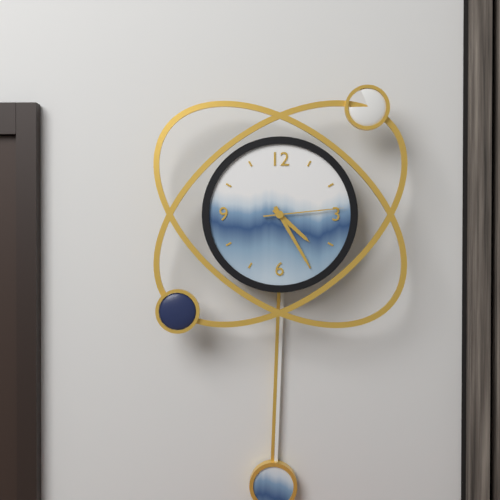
h=4 m=25 s=14
